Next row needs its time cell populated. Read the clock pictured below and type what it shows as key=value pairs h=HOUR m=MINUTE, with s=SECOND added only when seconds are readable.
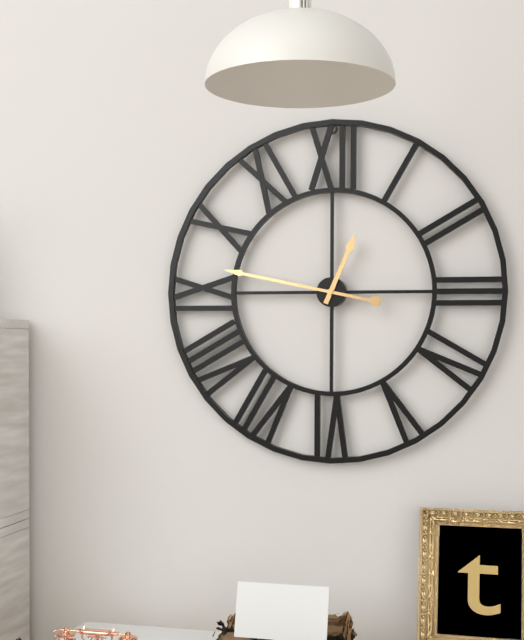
h=12 m=47
